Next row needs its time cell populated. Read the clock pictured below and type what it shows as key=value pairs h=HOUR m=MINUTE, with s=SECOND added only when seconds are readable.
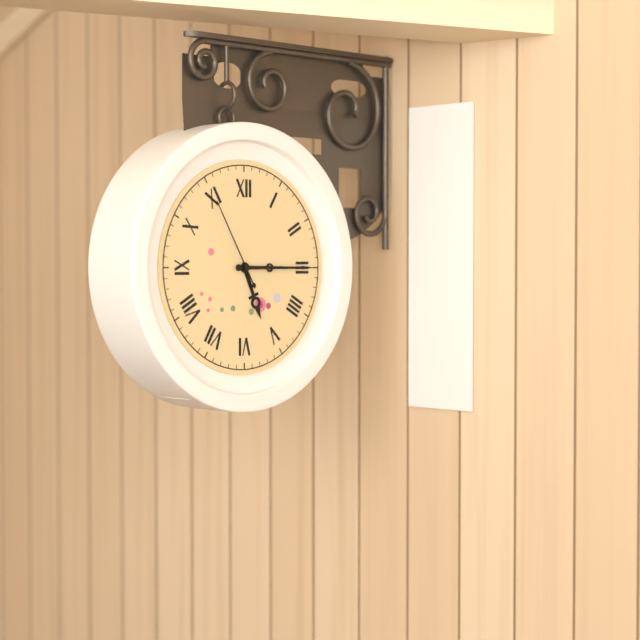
h=5 m=15 s=55
